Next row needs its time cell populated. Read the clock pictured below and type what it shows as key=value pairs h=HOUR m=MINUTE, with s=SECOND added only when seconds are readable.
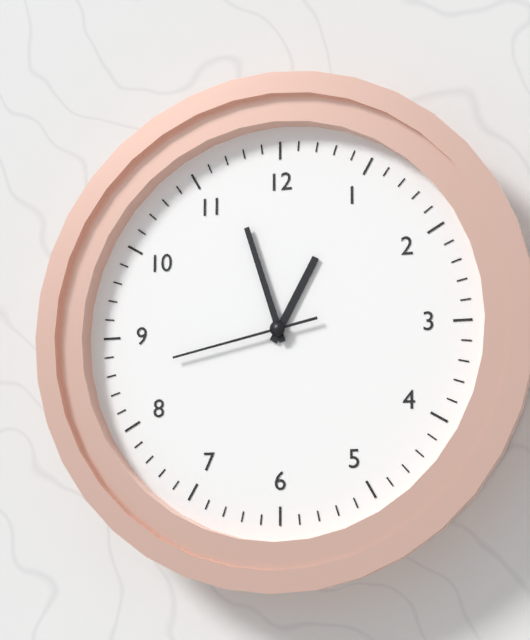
h=12 m=57 s=43
